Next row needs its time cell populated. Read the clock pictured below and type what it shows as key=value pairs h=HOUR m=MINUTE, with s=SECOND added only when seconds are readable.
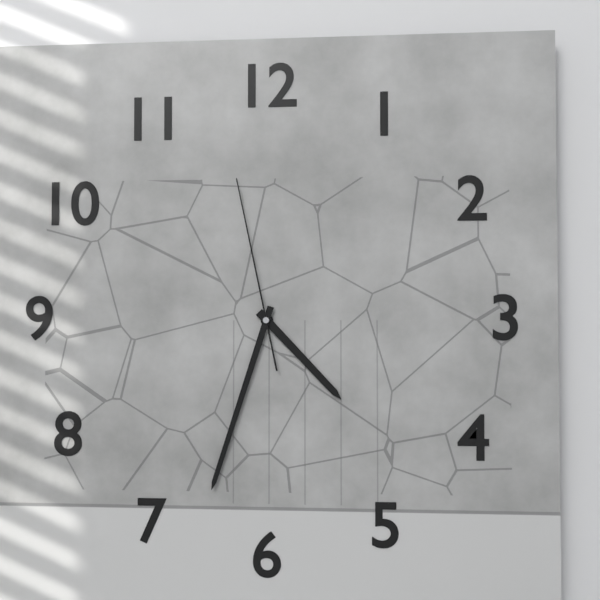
h=4 m=33 s=58
